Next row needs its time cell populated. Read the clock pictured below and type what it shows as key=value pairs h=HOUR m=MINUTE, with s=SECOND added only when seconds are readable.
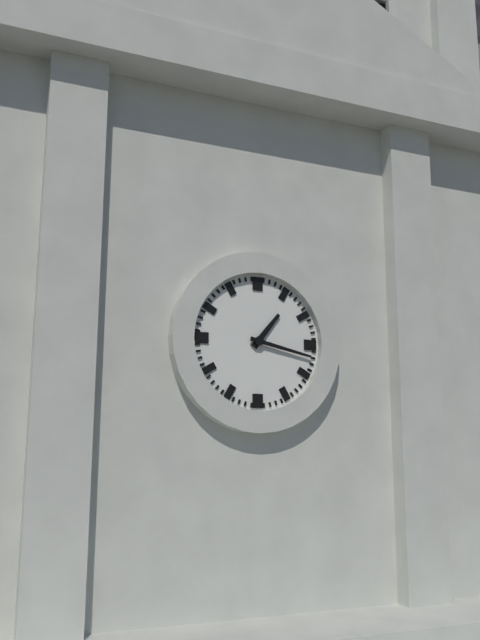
h=1 m=17
